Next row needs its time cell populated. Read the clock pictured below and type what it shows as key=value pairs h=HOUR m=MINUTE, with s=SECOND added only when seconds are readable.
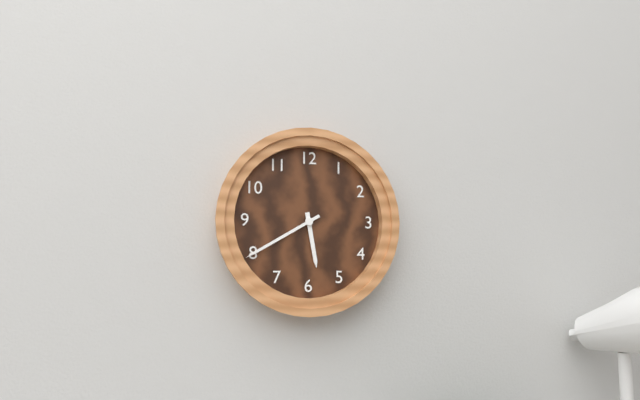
h=5 m=40
